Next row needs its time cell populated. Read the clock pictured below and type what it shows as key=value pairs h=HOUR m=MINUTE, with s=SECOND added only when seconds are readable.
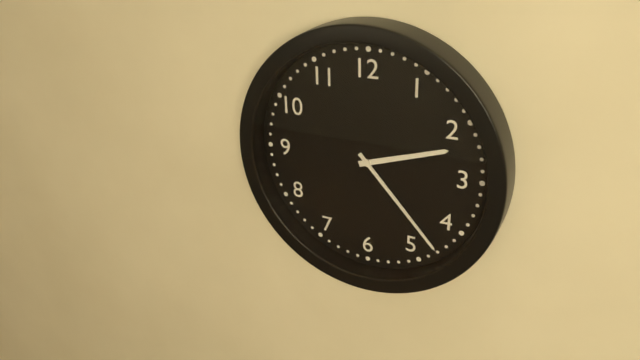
h=2 m=23
